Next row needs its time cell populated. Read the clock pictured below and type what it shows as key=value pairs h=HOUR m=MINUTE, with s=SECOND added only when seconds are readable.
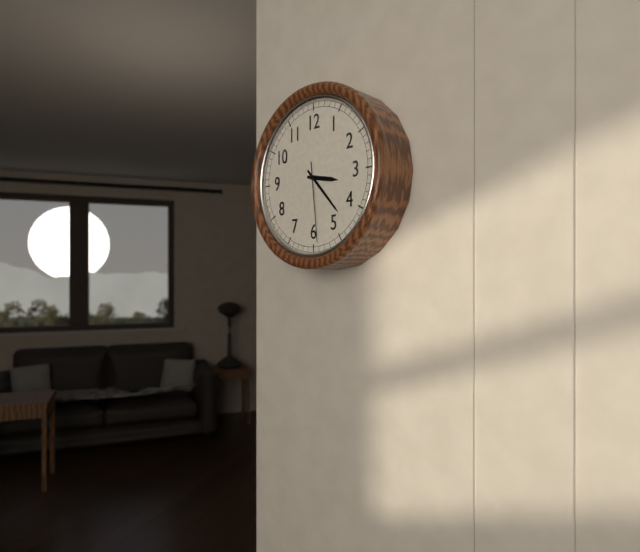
h=3 m=23 s=29
